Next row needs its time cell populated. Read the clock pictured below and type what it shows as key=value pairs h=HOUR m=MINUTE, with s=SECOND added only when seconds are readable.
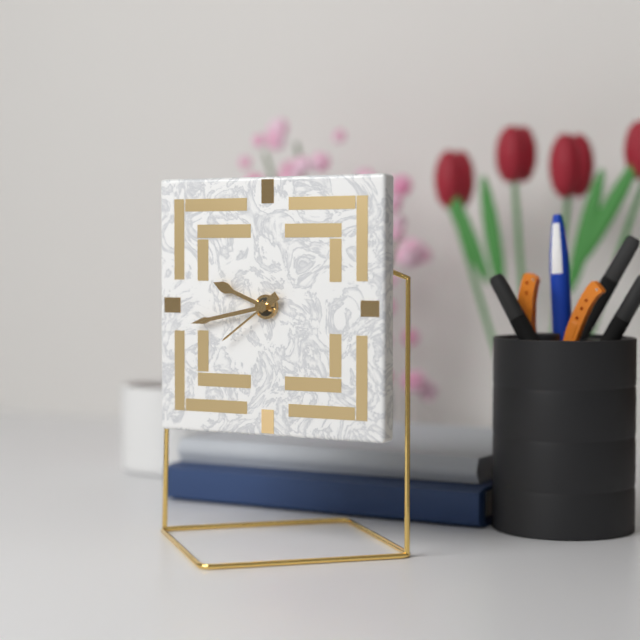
h=9 m=43 s=39
